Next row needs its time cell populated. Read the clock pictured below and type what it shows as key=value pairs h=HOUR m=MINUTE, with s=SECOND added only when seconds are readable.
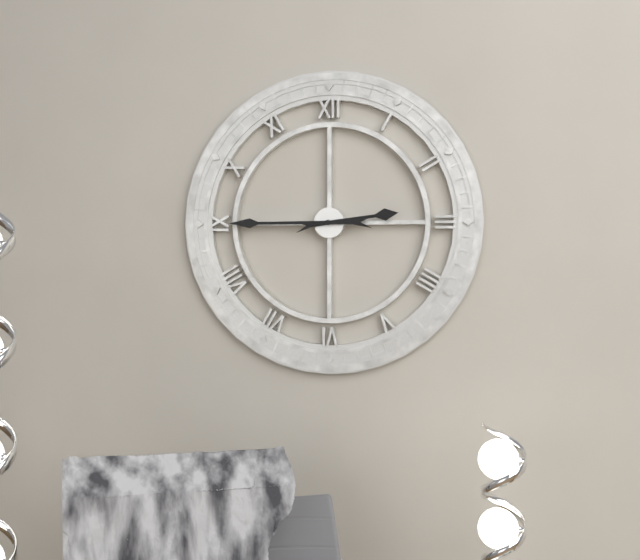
h=2 m=45
